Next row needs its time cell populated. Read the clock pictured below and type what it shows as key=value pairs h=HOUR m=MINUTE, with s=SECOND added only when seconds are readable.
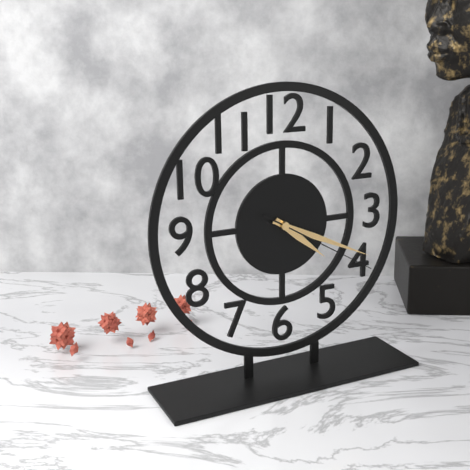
h=4 m=19 s=20
